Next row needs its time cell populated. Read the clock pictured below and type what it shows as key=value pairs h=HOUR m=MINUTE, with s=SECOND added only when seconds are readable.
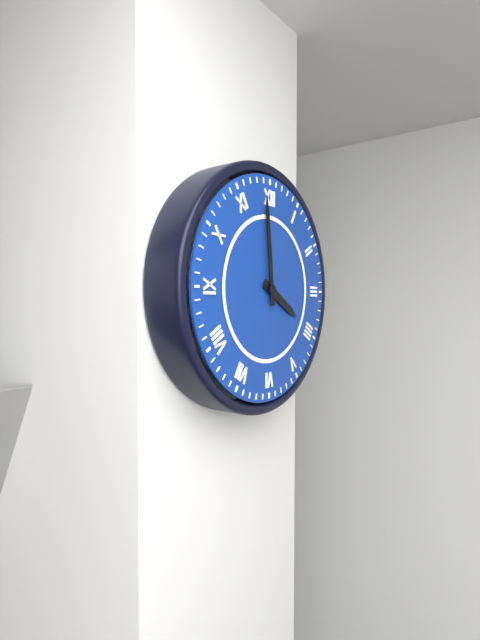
h=3 m=59
